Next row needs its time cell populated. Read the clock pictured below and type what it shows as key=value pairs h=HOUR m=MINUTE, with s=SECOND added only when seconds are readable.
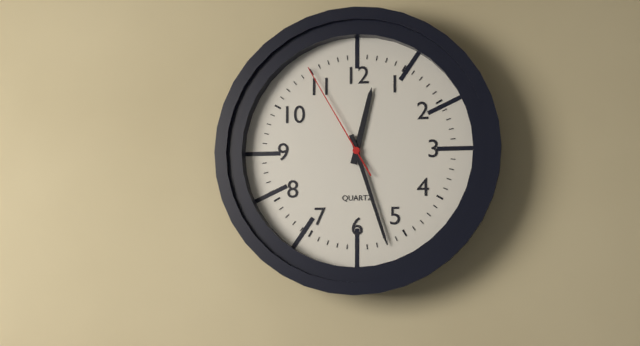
h=12 m=27 s=55
